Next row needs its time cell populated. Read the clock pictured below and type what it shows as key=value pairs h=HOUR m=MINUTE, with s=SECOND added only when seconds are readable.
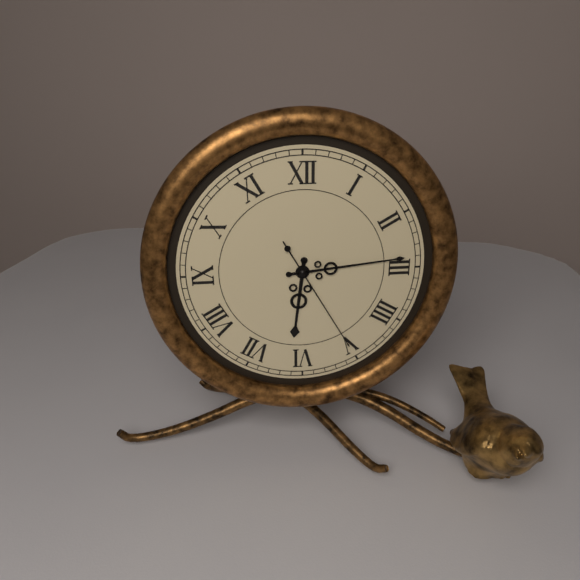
h=6 m=14 s=25
